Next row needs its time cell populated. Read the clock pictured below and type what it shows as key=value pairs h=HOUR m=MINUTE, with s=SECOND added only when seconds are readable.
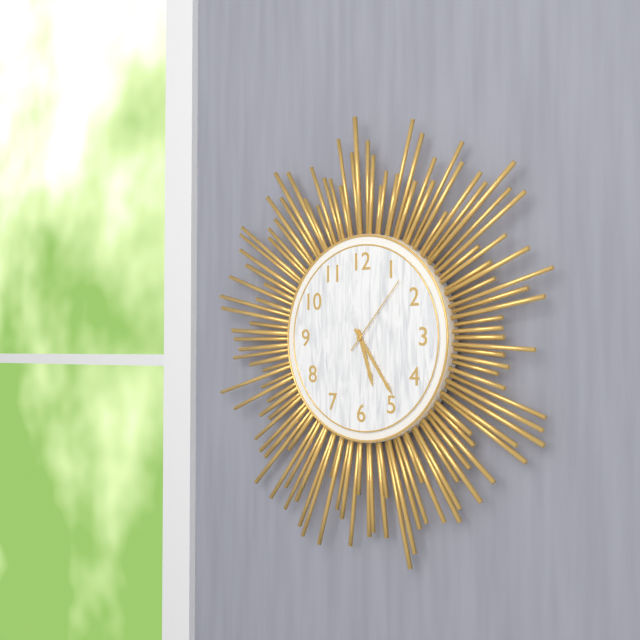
h=5 m=24 s=7
